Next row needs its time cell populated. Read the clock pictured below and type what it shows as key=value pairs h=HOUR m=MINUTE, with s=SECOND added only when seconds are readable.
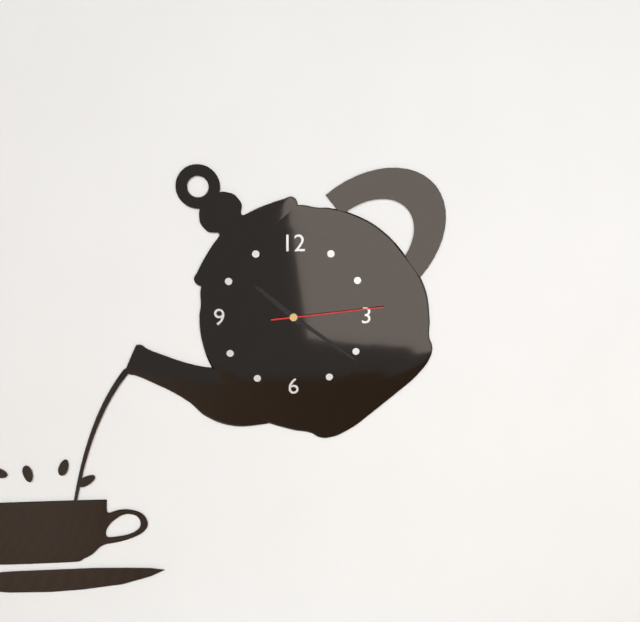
h=10 m=21 s=14
